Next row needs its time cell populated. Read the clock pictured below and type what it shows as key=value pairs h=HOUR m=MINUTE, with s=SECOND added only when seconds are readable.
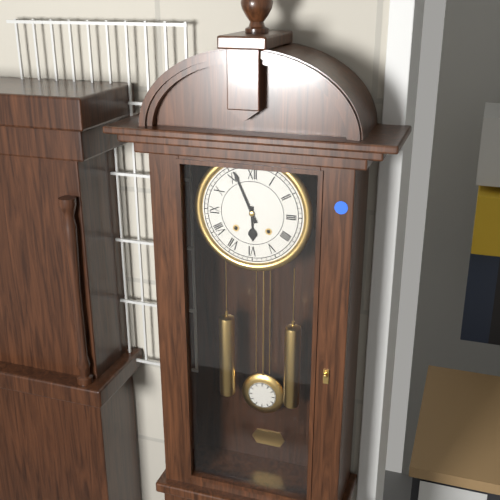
h=5 m=56
